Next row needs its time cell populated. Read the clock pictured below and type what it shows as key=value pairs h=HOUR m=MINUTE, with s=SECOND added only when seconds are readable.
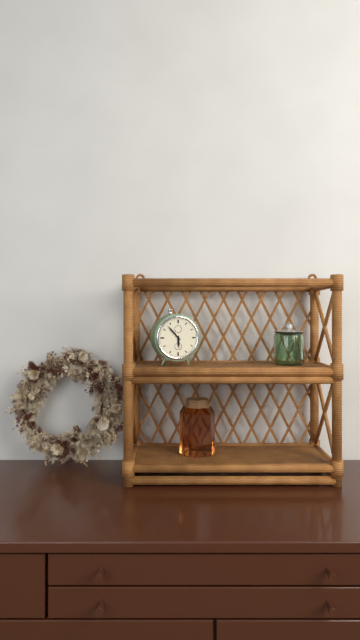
h=5 m=53
